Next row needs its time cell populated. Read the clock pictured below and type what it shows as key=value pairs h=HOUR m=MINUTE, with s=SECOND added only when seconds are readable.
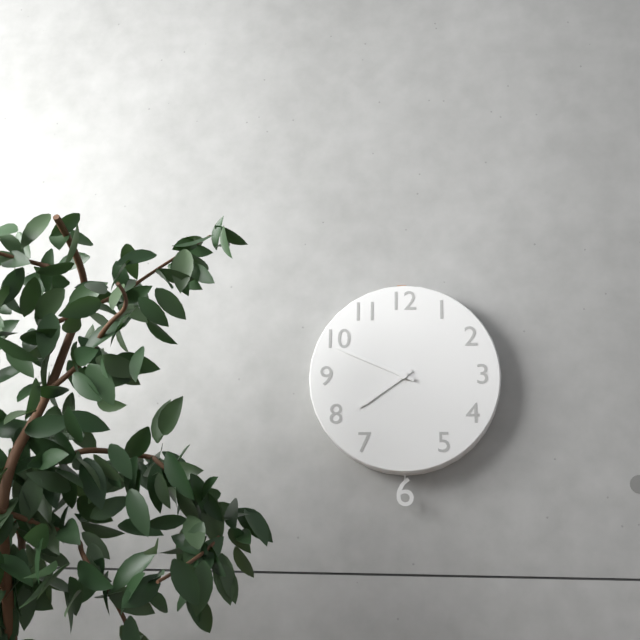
h=7 m=49
